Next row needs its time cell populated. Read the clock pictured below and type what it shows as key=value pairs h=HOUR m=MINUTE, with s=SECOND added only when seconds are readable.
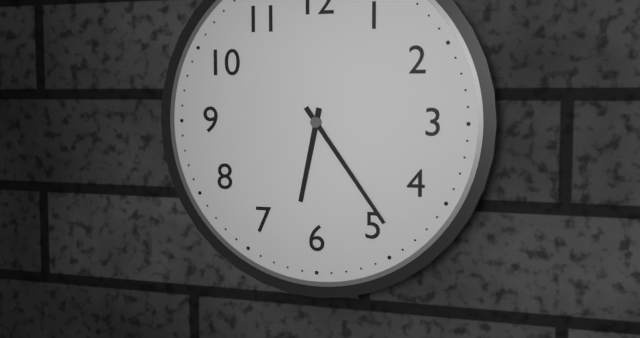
h=6 m=24
